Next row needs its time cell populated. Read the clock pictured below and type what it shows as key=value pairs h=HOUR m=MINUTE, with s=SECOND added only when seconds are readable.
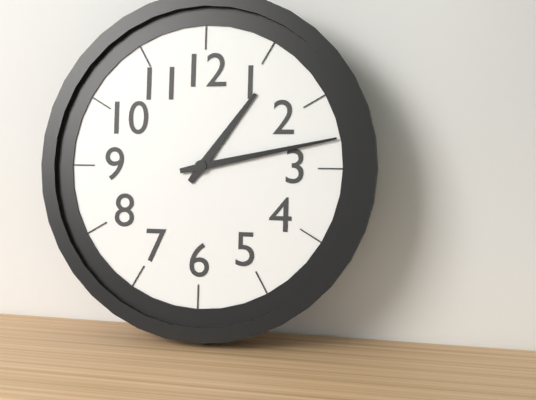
h=1 m=13
